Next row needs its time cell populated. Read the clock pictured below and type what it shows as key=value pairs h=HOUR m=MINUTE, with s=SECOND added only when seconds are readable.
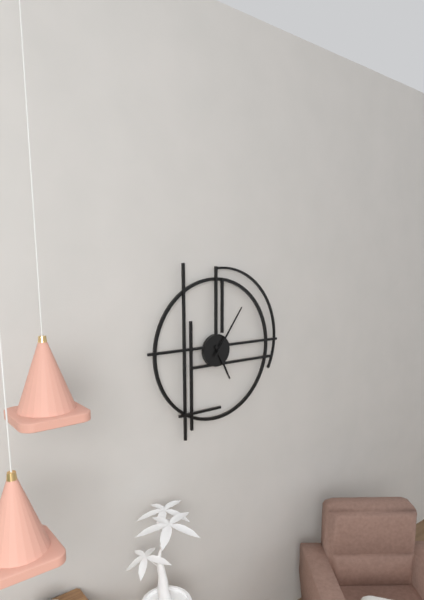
h=5 m=6
